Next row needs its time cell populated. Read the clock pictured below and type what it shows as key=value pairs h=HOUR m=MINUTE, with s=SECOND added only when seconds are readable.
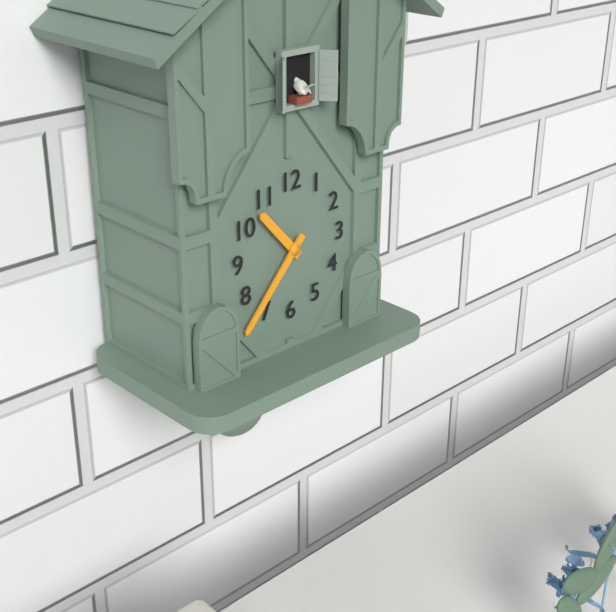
h=10 m=37
